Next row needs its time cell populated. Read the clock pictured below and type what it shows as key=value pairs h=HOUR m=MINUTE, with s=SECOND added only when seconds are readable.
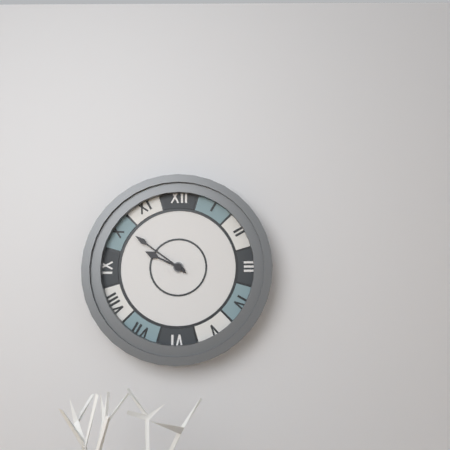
h=9 m=51
